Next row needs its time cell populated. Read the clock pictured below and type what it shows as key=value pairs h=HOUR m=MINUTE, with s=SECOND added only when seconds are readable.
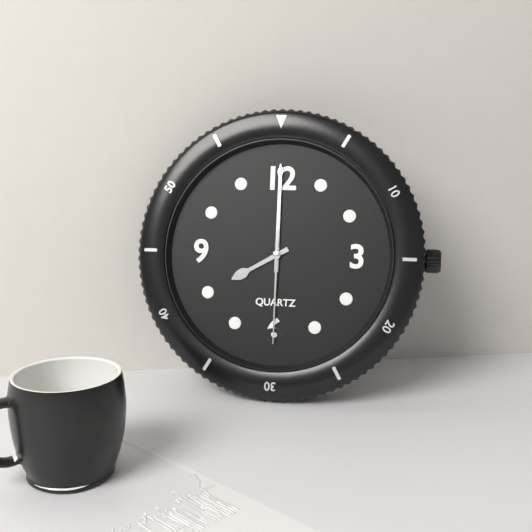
h=8 m=0 s=30
